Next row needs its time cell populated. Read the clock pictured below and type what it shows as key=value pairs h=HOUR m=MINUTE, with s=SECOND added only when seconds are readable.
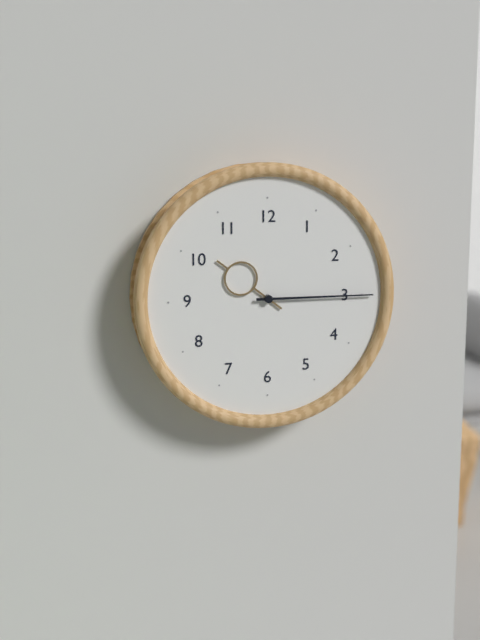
h=10 m=15
